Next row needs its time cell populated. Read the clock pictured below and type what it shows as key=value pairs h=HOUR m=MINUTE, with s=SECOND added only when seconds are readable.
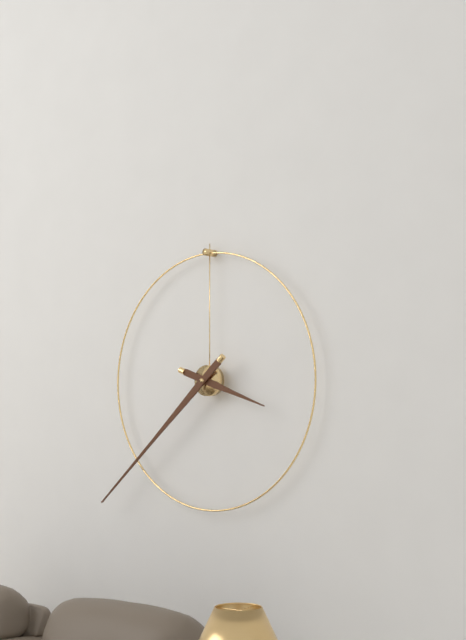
h=3 m=38
